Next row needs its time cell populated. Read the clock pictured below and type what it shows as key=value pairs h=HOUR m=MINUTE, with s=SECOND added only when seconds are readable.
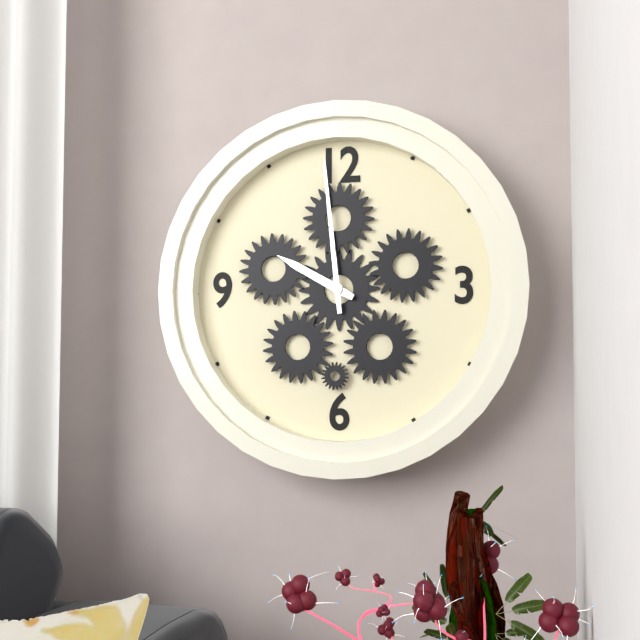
h=9 m=59
